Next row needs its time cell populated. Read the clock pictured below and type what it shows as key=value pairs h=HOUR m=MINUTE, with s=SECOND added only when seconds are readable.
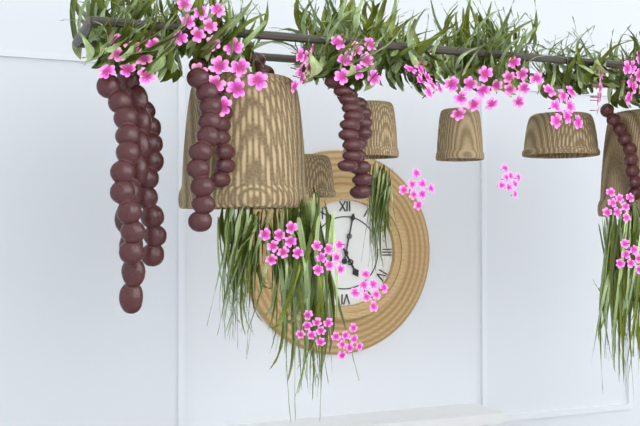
h=5 m=2
